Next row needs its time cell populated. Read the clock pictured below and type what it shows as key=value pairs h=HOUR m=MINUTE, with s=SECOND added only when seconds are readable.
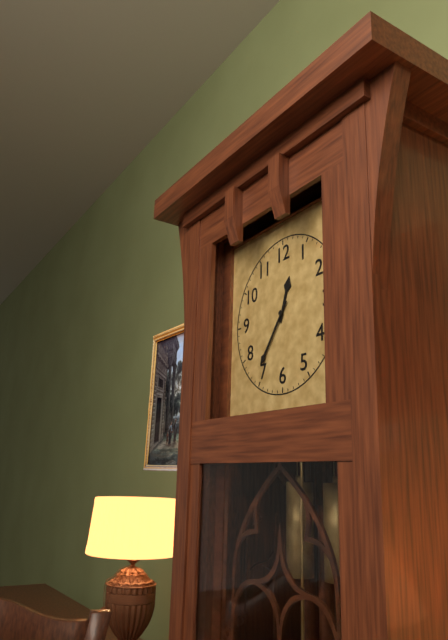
h=12 m=36
